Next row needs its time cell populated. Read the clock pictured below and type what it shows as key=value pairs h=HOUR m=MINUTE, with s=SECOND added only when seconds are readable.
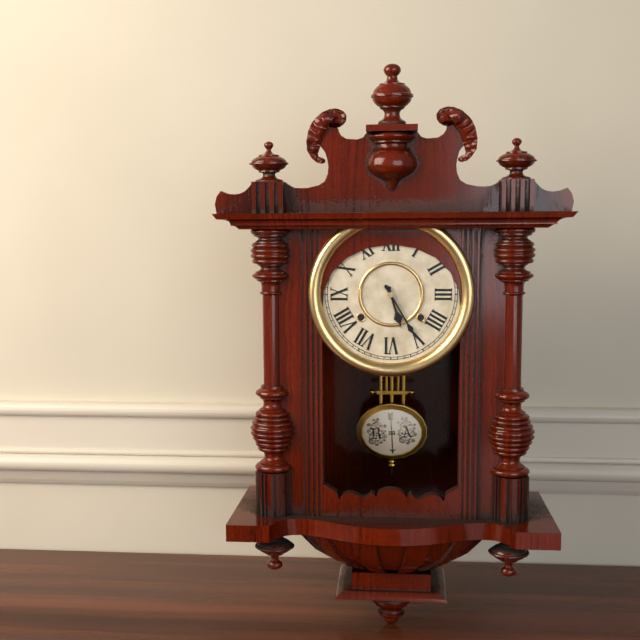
h=5 m=25
